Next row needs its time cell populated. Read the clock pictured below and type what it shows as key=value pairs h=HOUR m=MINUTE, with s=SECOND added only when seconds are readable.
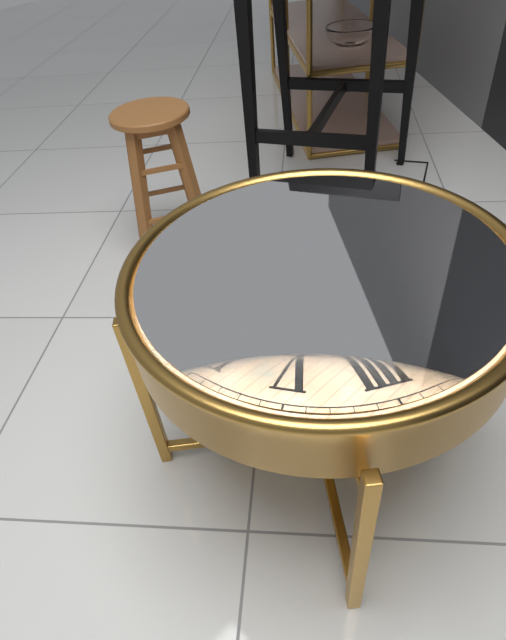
h=12 m=39
